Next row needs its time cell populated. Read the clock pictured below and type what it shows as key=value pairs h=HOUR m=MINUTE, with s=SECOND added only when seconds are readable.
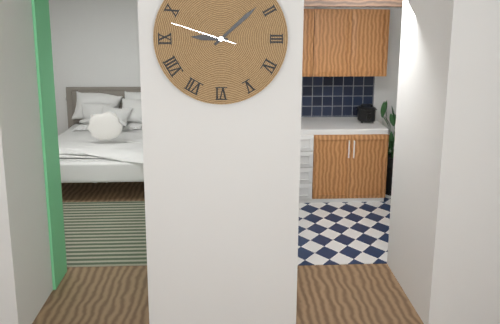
h=9 m=8 s=48
